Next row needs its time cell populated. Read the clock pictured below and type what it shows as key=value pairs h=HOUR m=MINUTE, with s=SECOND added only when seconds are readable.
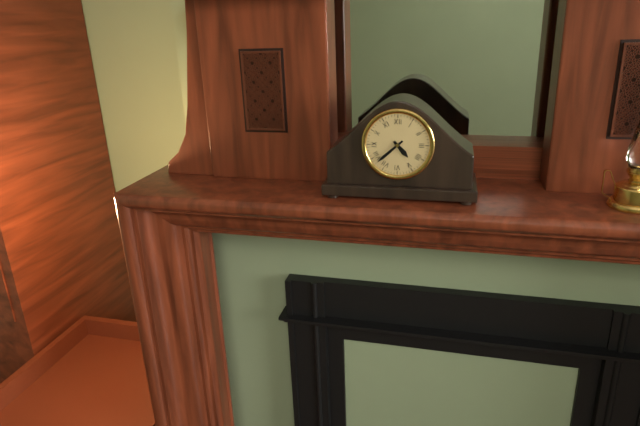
h=4 m=38
